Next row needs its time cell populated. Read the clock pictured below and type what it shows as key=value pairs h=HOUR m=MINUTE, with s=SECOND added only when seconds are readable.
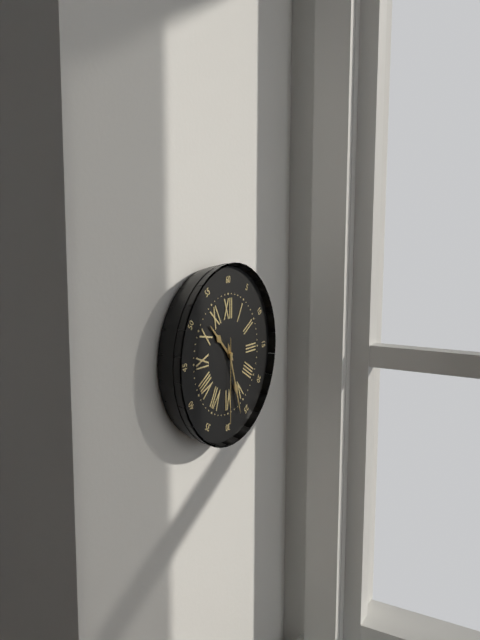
h=10 m=27 s=30
